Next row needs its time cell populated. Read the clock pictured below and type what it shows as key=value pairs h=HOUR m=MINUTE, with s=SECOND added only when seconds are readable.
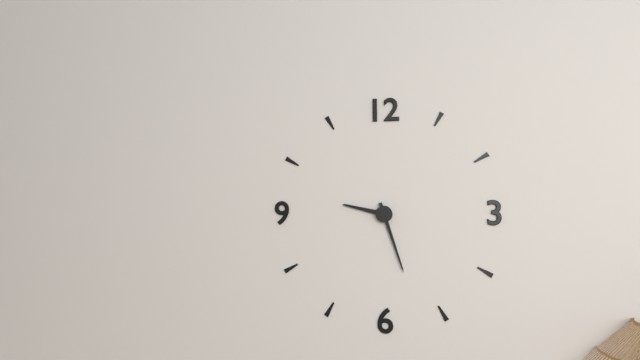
h=9 m=27
